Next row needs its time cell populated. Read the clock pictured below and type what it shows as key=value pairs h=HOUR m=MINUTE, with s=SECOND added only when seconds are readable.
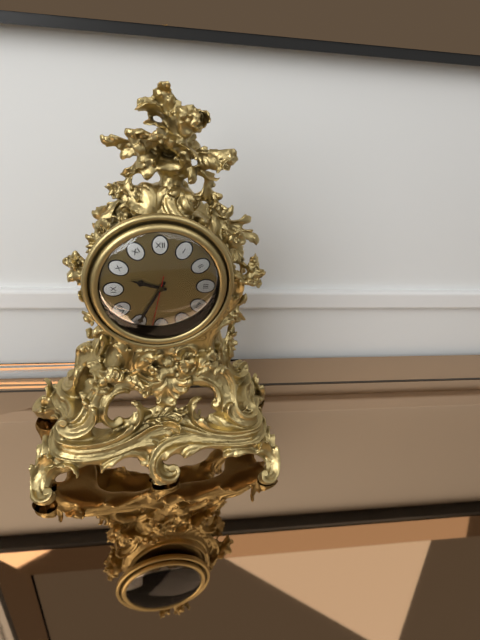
h=9 m=35 s=32
